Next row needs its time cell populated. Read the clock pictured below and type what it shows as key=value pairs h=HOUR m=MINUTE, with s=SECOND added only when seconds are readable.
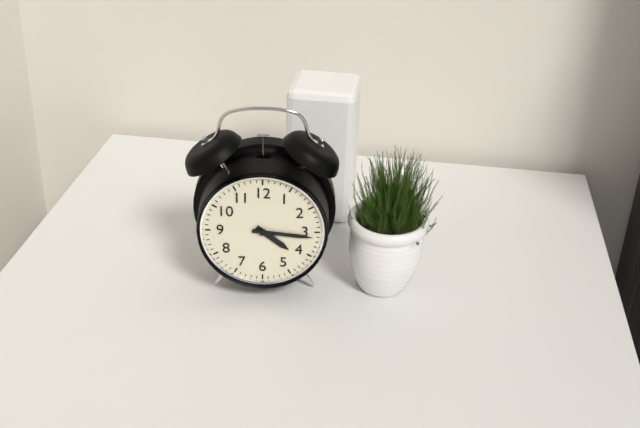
h=4 m=16
